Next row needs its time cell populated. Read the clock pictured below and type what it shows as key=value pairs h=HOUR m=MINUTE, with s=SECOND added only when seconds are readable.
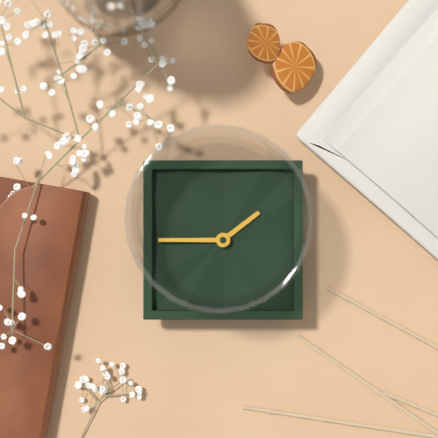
h=1 m=45
